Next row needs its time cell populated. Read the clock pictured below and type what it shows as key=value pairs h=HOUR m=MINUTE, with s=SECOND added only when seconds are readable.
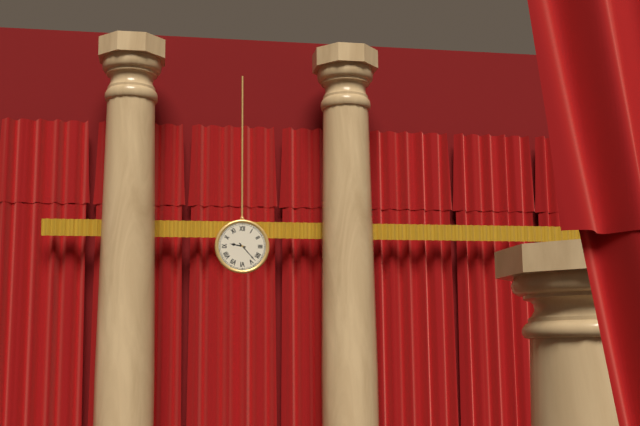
h=9 m=23
